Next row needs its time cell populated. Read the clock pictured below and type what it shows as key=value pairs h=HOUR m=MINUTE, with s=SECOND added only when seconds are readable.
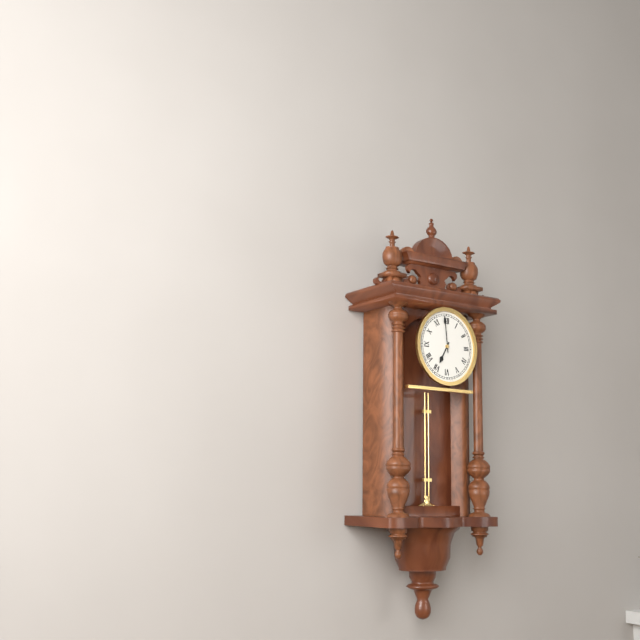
h=6 m=59
